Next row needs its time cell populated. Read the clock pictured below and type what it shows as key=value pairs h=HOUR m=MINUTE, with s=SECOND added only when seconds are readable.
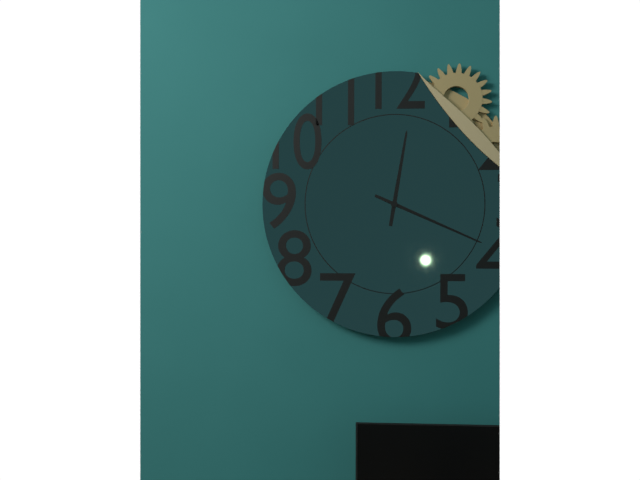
h=12 m=19
